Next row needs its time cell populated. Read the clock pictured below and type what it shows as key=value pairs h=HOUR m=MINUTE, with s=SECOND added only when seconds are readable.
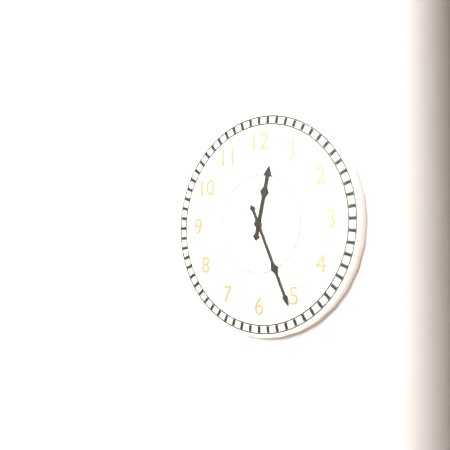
h=12 m=26
